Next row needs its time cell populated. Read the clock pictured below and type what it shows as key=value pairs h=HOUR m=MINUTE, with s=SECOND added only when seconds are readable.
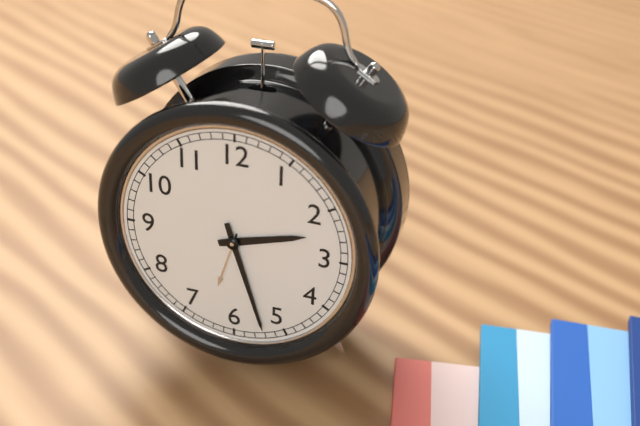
h=2 m=27
